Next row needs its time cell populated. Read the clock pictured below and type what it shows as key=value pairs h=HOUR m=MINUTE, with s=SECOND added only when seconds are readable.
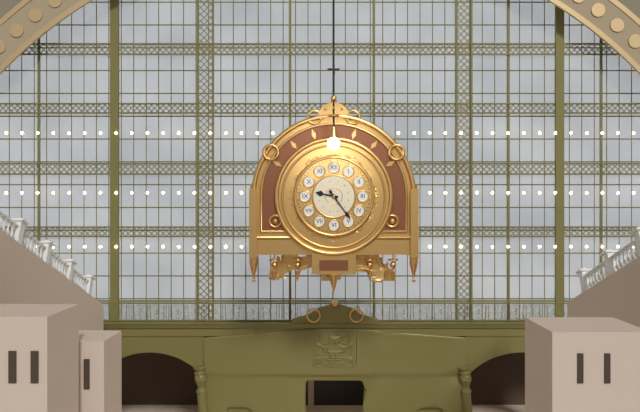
h=9 m=24
